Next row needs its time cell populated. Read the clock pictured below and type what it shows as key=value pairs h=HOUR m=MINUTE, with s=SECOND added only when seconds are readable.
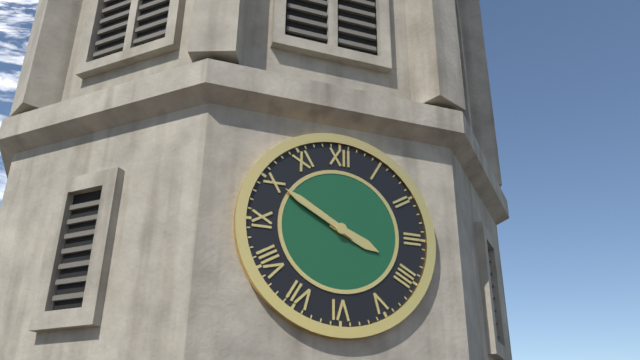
h=3 m=50
